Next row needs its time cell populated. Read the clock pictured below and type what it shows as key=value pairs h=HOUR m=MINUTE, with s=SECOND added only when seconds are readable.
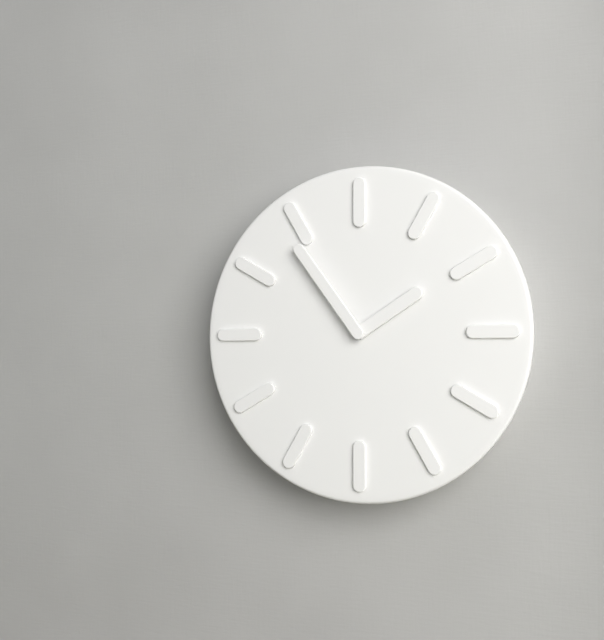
h=1 m=54
